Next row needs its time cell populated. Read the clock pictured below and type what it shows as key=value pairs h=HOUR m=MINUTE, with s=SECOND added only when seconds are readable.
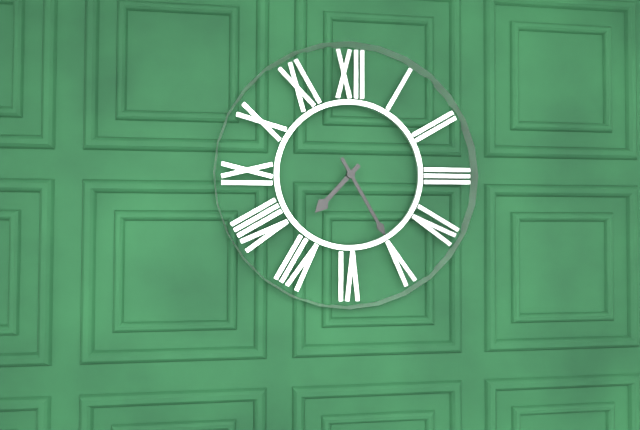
h=7 m=25
